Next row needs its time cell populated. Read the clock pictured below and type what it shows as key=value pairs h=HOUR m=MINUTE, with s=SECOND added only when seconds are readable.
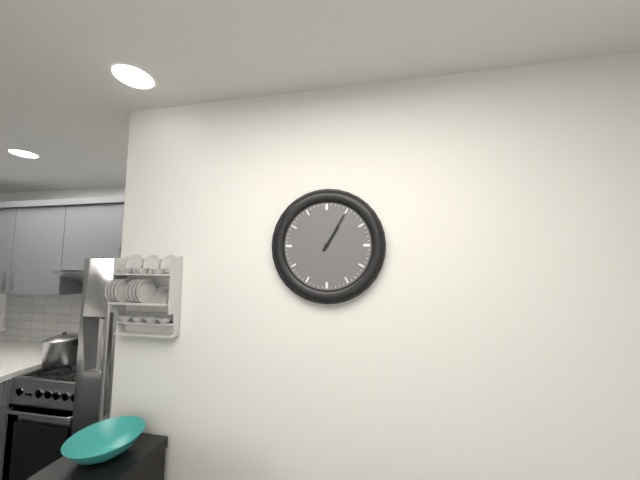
h=1 m=5
